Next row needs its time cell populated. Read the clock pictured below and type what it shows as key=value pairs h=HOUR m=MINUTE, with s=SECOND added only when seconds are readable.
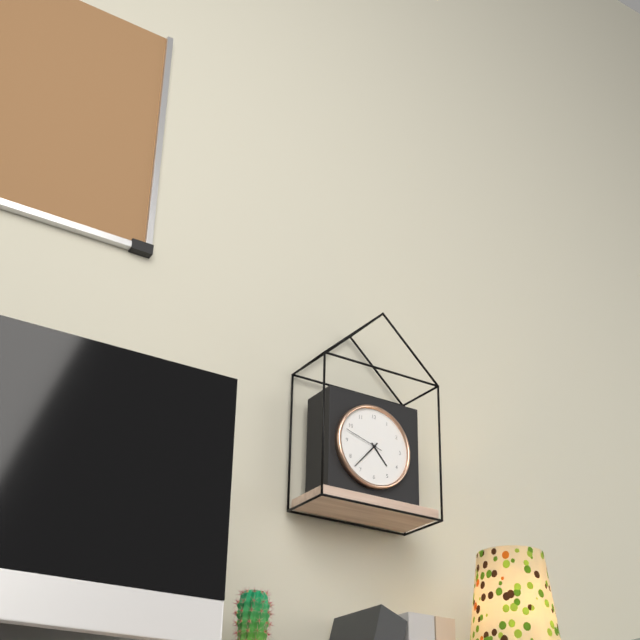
h=4 m=37
